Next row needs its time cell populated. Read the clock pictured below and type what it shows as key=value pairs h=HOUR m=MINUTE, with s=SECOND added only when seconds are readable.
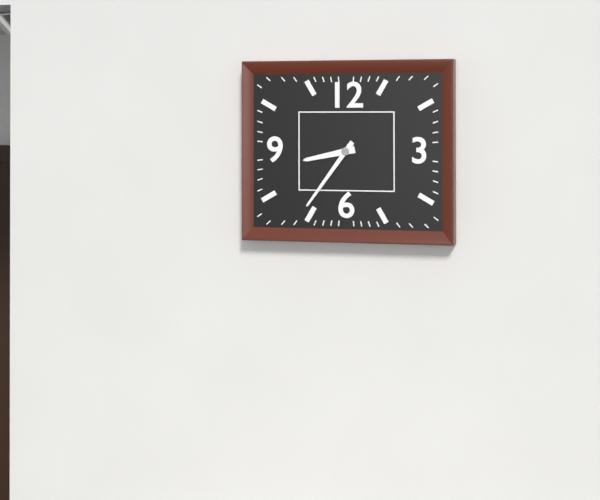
h=8 m=36
